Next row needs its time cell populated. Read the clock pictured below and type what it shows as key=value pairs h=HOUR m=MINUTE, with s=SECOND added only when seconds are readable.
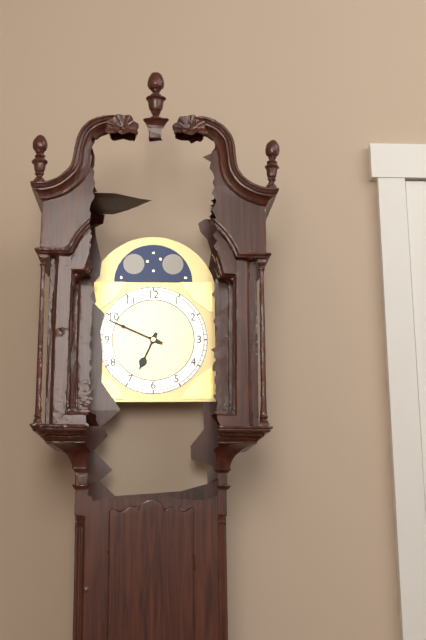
h=6 m=49
